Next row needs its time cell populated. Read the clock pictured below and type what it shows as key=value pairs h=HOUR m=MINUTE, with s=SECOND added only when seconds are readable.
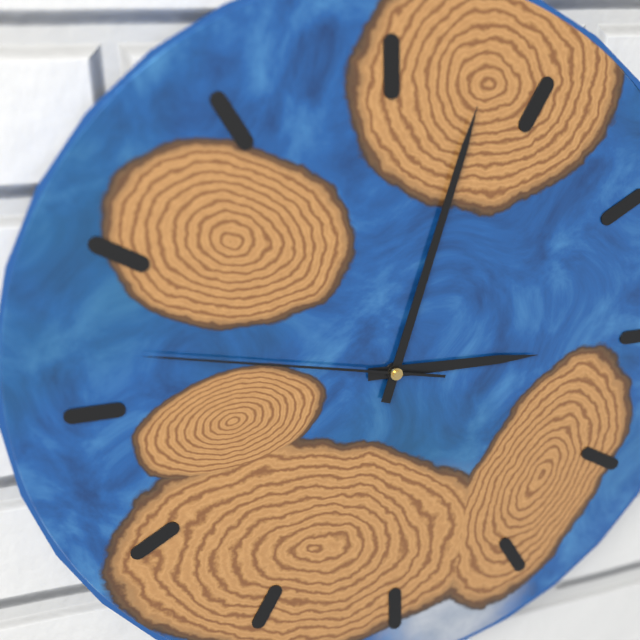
h=3 m=3 s=47
